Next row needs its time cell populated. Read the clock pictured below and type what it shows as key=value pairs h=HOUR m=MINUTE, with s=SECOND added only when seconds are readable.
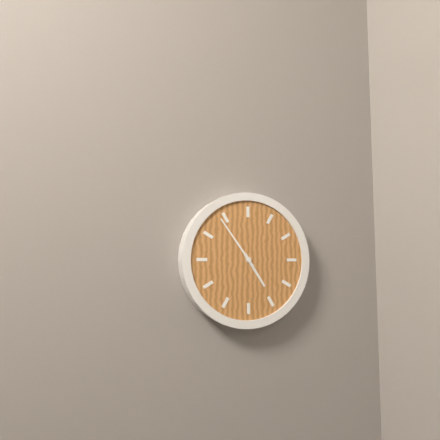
h=4 m=54
